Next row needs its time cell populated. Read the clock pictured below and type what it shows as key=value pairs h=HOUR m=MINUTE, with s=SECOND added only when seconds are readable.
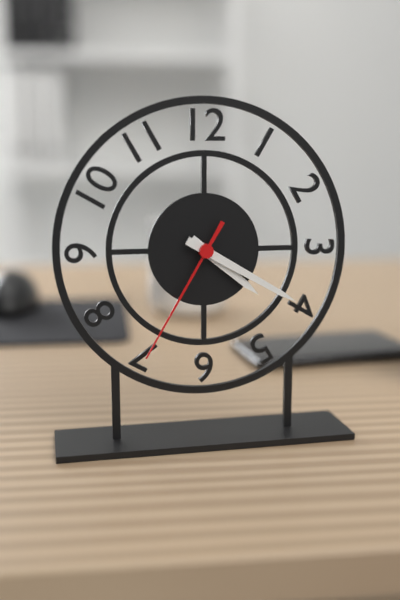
h=4 m=20 s=35
